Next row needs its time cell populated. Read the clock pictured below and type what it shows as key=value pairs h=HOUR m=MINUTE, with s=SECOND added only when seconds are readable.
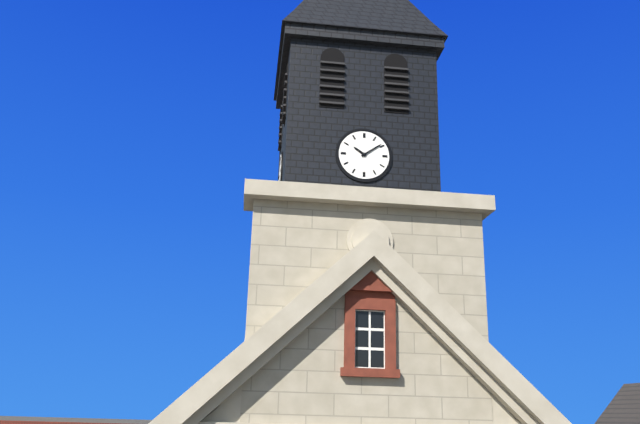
h=10 m=9
